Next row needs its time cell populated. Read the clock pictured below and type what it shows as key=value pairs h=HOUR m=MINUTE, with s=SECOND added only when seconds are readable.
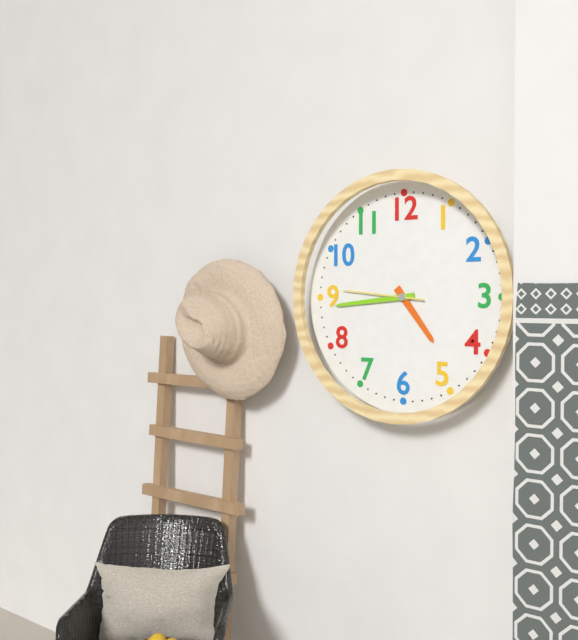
h=4 m=44 s=46
